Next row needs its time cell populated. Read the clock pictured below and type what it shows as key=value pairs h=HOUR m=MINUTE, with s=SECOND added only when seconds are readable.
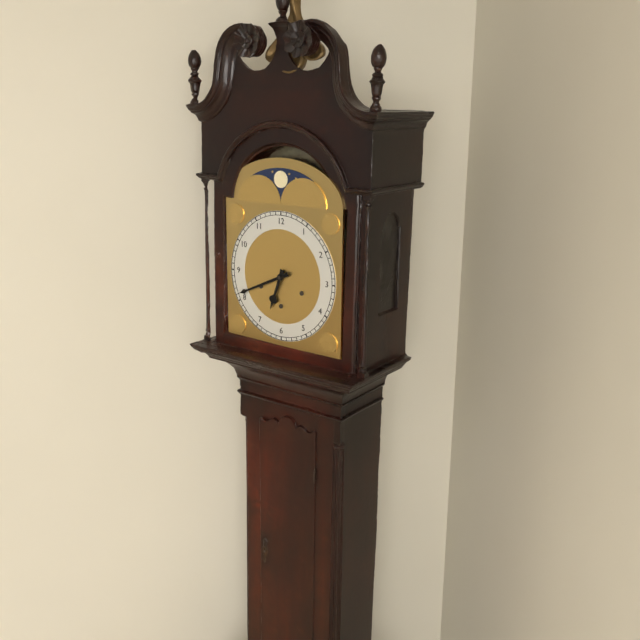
h=6 m=41
